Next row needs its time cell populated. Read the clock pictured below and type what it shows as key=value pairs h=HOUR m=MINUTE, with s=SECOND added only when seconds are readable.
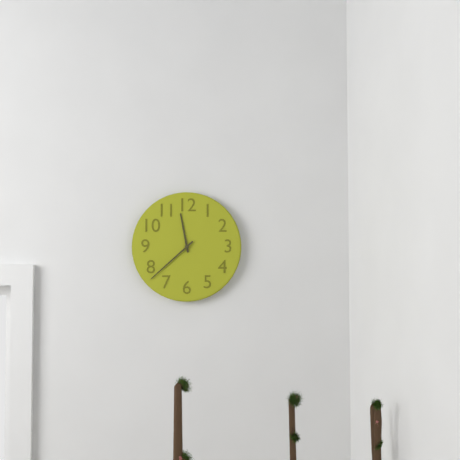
h=11 m=38
